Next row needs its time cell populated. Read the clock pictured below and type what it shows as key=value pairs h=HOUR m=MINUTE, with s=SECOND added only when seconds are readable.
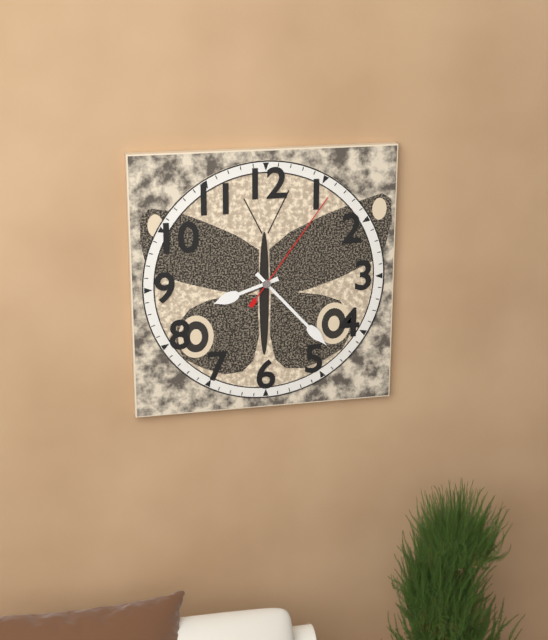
h=8 m=23 s=6
